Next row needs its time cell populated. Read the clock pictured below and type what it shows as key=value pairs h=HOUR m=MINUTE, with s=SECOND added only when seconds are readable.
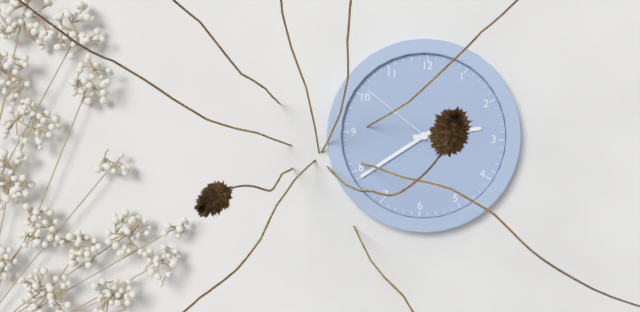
h=2 m=39 s=51
